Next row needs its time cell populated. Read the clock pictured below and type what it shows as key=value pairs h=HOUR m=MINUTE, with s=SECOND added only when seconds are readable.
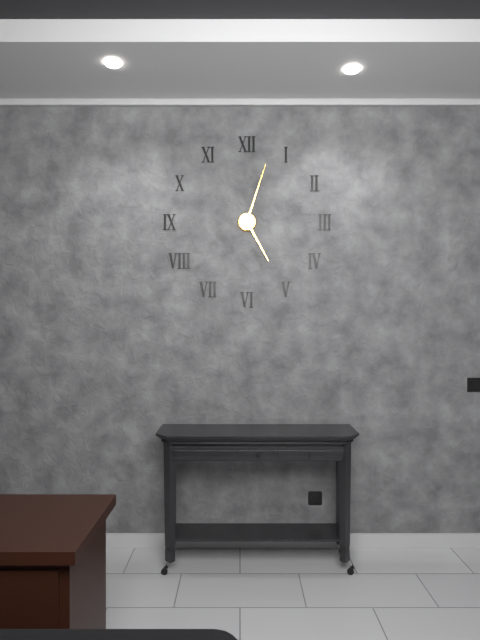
h=5 m=3
